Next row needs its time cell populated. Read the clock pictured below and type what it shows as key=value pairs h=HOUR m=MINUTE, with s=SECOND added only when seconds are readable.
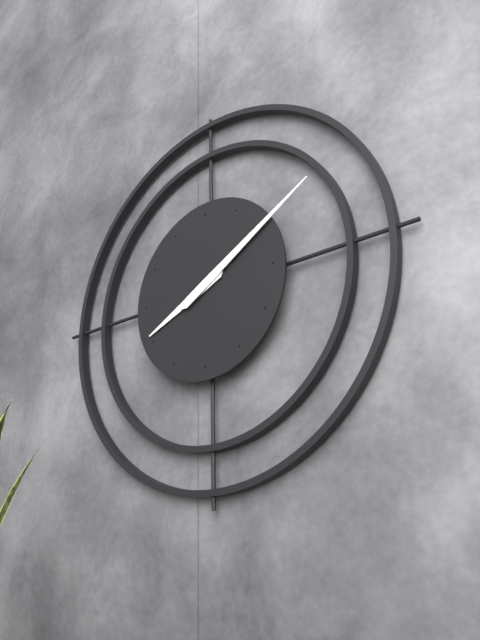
h=8 m=10
